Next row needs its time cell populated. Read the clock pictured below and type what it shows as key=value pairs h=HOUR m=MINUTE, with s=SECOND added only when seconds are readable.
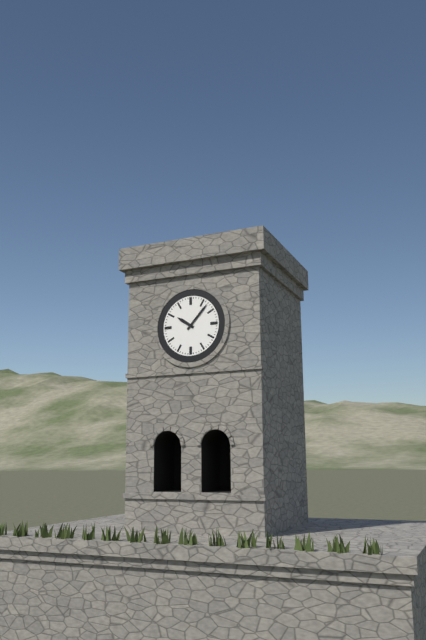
h=10 m=7
